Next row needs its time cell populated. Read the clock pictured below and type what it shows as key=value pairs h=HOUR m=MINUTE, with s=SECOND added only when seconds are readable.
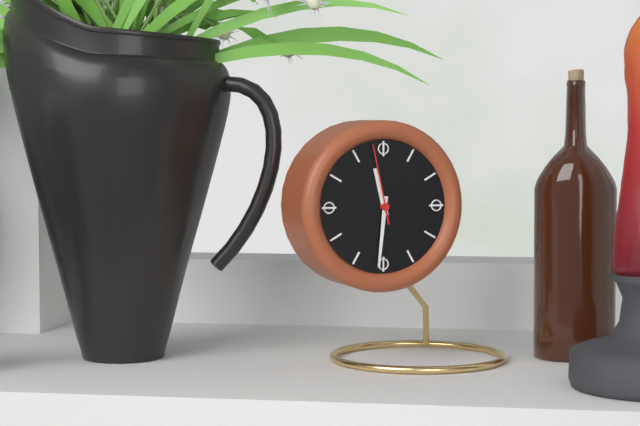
h=11 m=31 s=58
